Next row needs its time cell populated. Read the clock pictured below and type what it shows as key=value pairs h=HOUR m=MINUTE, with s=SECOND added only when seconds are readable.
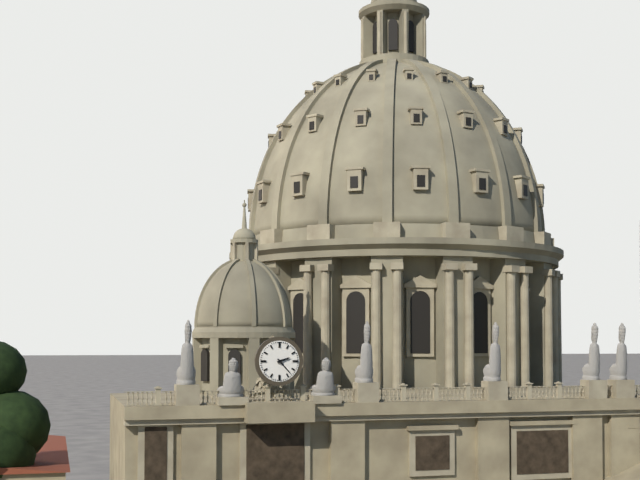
h=2 m=23
